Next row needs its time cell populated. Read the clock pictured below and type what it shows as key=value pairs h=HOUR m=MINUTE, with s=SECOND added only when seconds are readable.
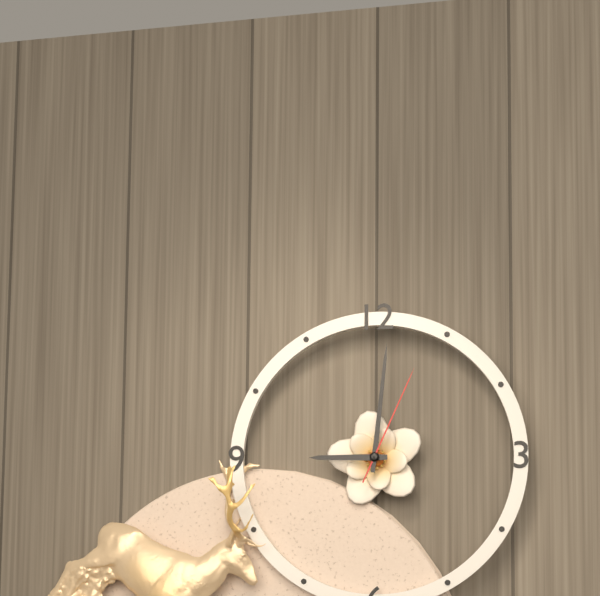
h=9 m=1 s=4
